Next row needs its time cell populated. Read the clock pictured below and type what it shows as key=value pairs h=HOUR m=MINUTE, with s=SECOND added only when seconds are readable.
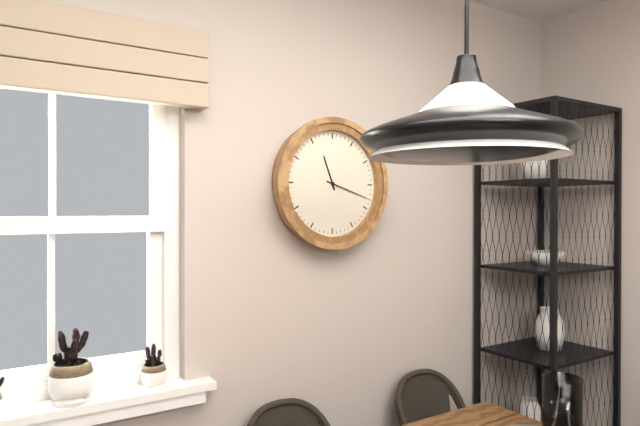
h=11 m=18
